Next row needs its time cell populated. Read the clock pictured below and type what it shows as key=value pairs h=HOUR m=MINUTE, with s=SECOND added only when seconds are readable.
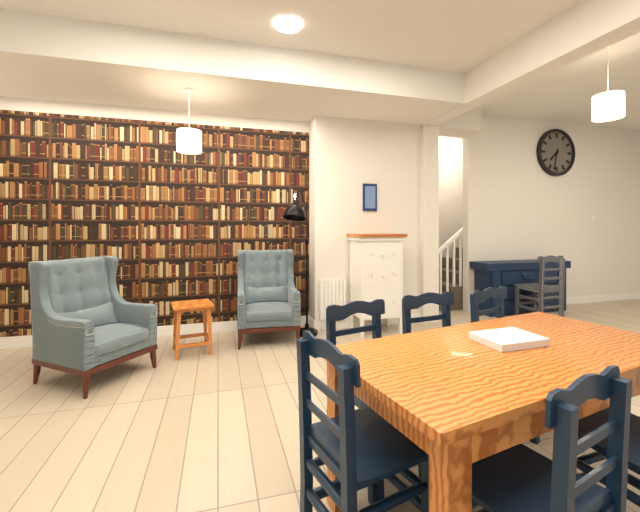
h=7 m=32
